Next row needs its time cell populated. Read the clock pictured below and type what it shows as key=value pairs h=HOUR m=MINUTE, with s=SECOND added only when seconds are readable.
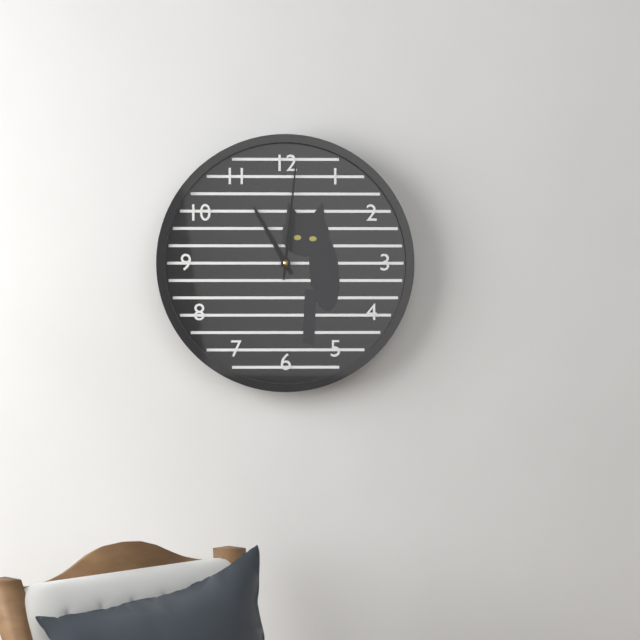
h=11 m=1
